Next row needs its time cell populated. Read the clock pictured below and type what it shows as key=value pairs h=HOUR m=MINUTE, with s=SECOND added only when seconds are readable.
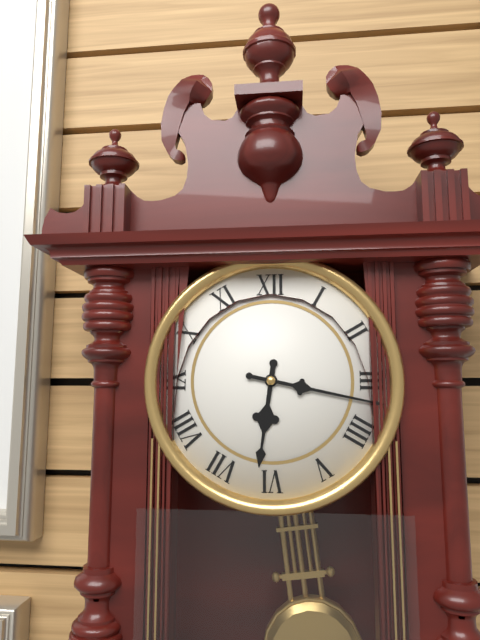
h=6 m=17
